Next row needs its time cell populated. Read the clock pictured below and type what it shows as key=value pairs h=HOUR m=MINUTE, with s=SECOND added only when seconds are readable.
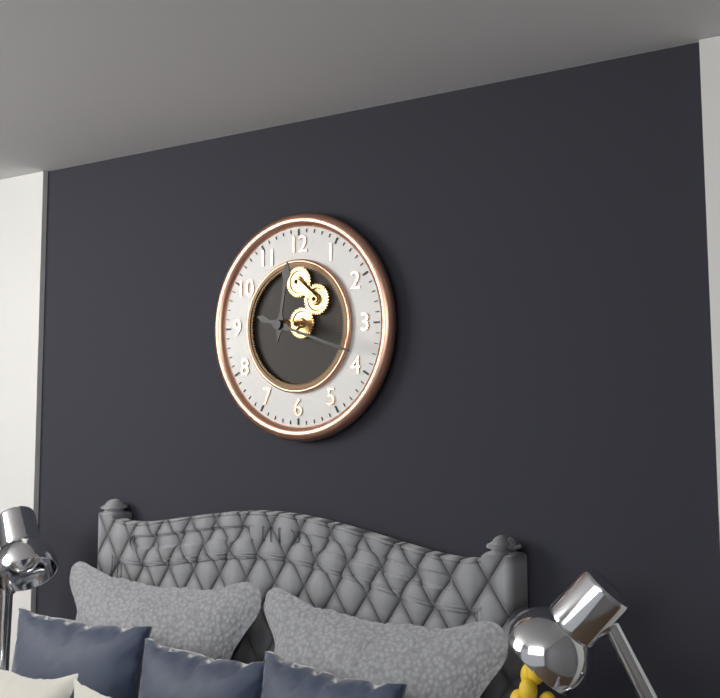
h=12 m=18
